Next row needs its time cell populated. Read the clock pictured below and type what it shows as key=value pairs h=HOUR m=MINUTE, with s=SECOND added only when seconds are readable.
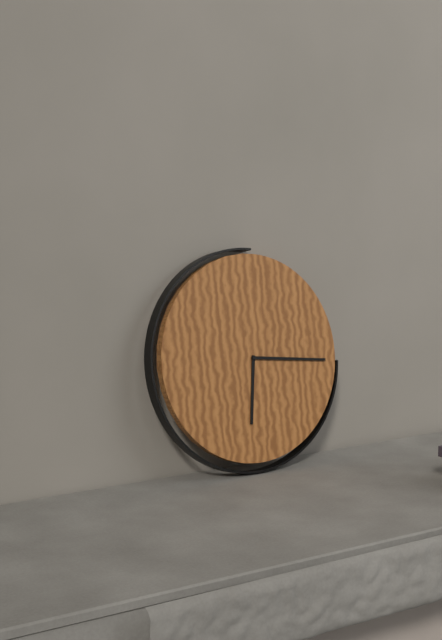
h=6 m=16
